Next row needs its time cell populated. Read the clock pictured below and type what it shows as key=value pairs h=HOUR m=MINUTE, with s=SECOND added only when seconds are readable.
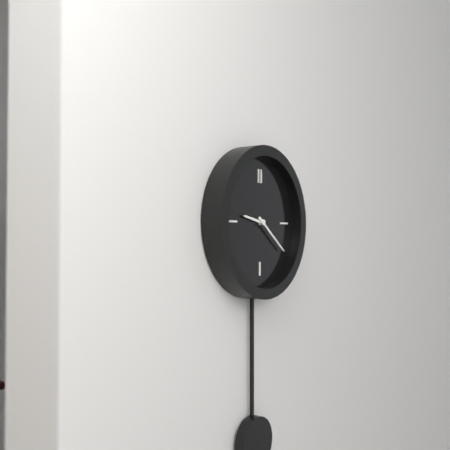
h=9 m=21
